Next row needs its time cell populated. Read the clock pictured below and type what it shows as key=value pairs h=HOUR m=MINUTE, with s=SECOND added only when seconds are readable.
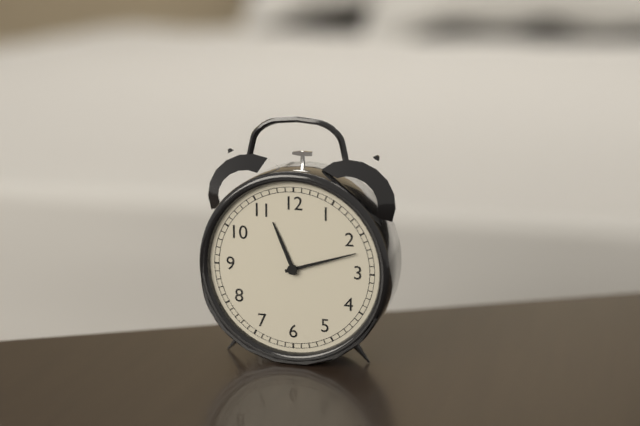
h=11 m=12
